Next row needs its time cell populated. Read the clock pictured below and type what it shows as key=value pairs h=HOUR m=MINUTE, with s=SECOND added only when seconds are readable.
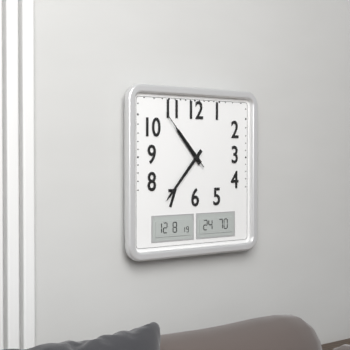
h=10 m=37 s=53
